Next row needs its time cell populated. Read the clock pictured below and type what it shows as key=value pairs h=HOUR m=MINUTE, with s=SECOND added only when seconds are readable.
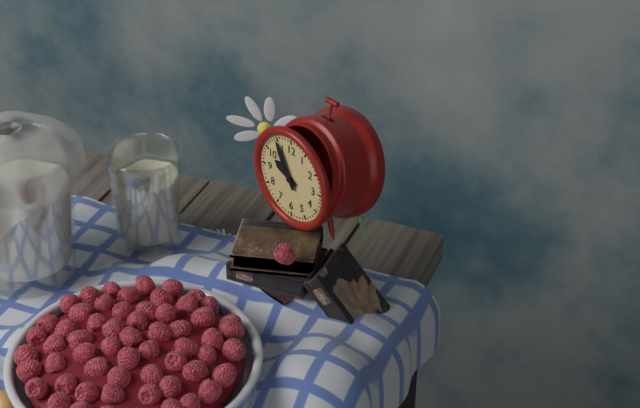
h=9 m=55
